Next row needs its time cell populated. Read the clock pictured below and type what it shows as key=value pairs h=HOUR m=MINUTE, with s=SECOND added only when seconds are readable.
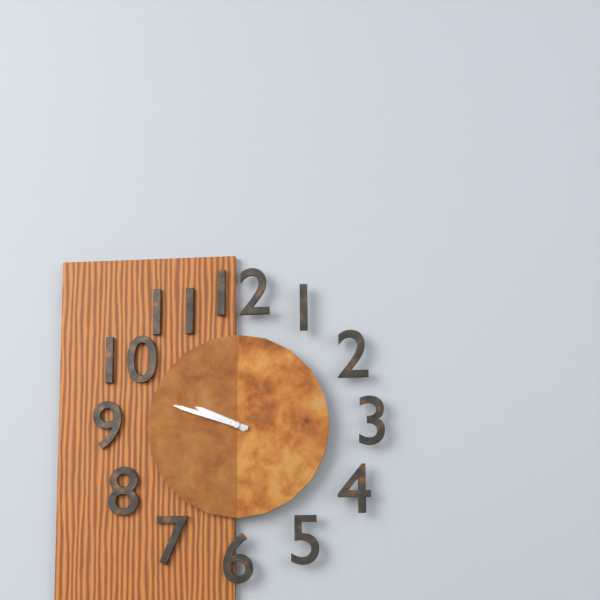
h=9 m=48
